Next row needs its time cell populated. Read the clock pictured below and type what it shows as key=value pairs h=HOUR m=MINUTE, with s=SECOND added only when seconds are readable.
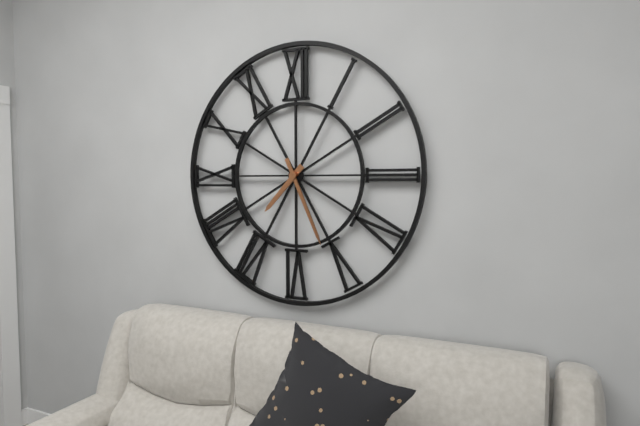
h=7 m=26
